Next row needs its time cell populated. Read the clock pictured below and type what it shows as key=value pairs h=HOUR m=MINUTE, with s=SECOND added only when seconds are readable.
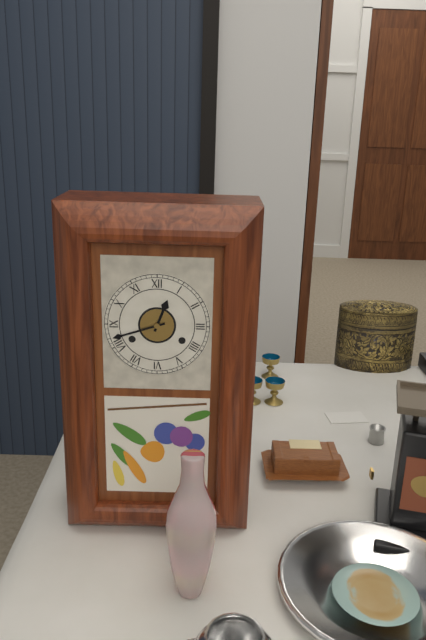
h=12 m=42
